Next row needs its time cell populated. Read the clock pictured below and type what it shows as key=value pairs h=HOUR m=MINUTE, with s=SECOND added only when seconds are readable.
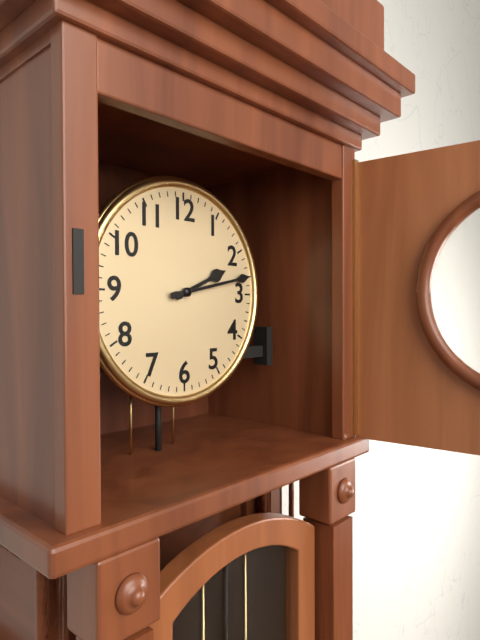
h=2 m=13
